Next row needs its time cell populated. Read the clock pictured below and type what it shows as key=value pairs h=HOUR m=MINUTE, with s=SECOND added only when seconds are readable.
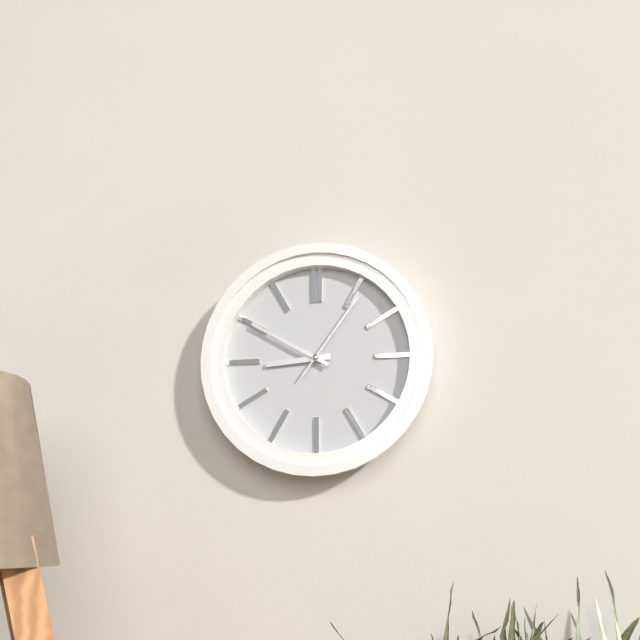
h=8 m=50 s=6
